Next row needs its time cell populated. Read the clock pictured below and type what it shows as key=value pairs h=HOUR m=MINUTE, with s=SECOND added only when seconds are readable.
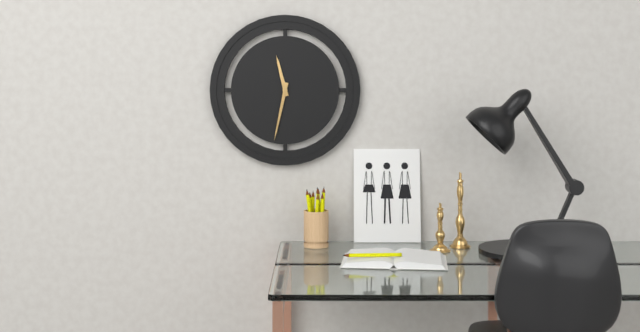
h=11 m=32
